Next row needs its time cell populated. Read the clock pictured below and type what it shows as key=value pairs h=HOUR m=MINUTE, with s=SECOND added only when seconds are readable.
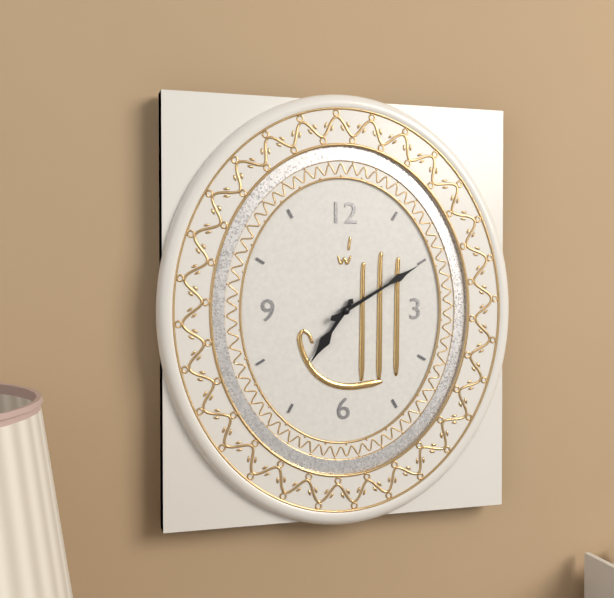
h=7 m=10
